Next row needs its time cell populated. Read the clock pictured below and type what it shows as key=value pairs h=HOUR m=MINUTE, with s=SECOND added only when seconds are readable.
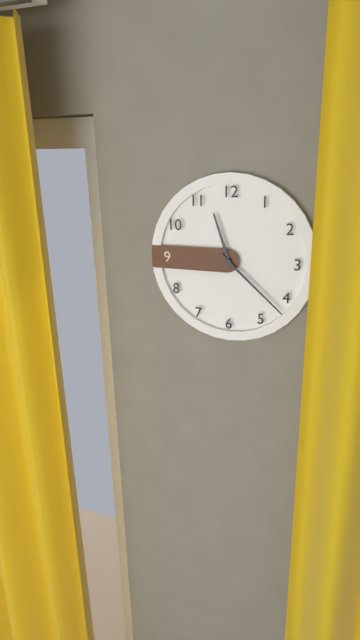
h=11 m=22
